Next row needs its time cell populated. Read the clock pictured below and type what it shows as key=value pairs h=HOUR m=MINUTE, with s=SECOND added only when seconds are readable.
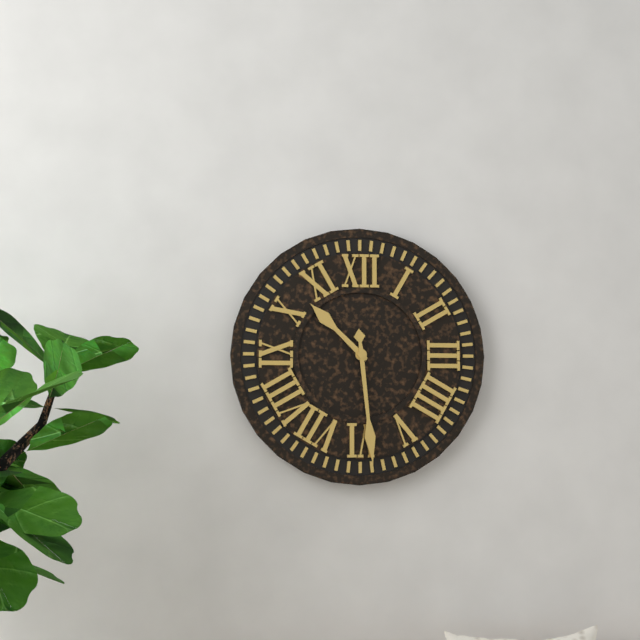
h=10 m=29
